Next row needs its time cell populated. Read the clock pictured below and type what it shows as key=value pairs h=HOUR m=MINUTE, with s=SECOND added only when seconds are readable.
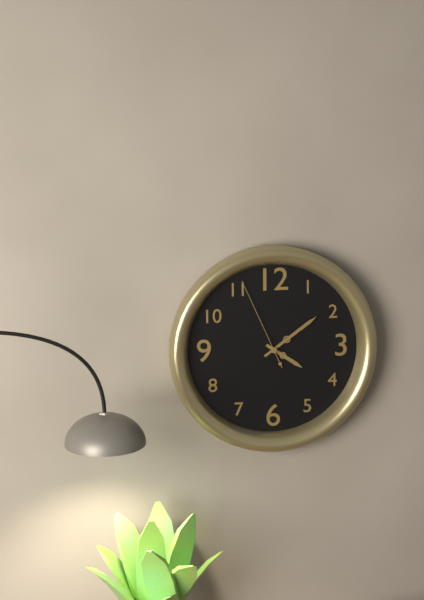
h=4 m=9 s=56
